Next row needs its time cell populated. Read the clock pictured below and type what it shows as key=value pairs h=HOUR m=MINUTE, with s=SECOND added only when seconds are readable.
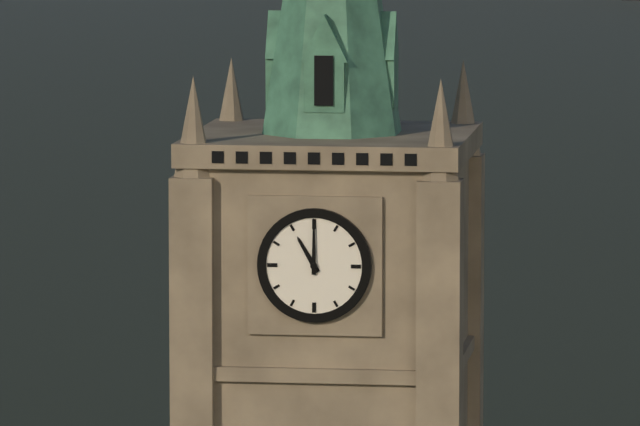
h=11 m=0
